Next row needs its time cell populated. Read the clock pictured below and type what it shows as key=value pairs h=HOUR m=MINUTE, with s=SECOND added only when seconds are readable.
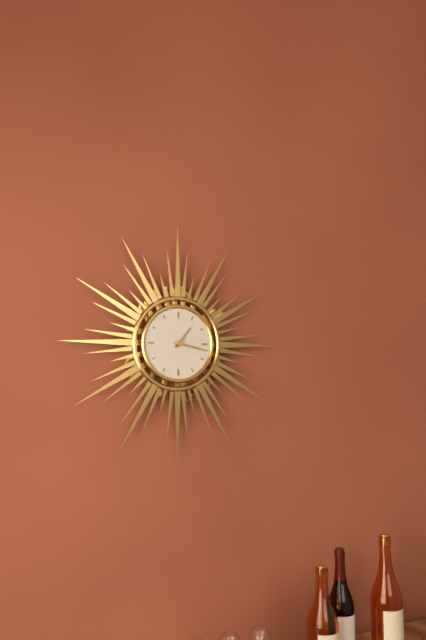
h=1 m=17
